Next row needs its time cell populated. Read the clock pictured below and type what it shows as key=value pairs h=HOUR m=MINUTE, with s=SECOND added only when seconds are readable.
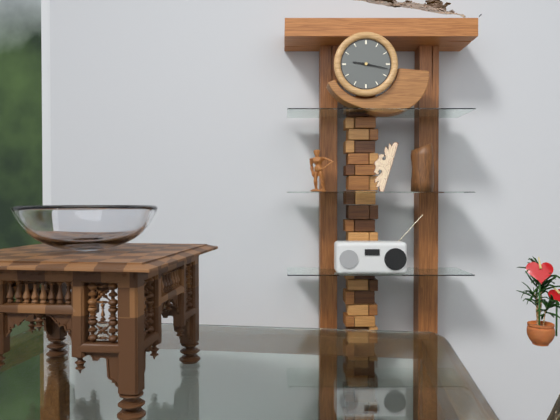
h=9 m=17
